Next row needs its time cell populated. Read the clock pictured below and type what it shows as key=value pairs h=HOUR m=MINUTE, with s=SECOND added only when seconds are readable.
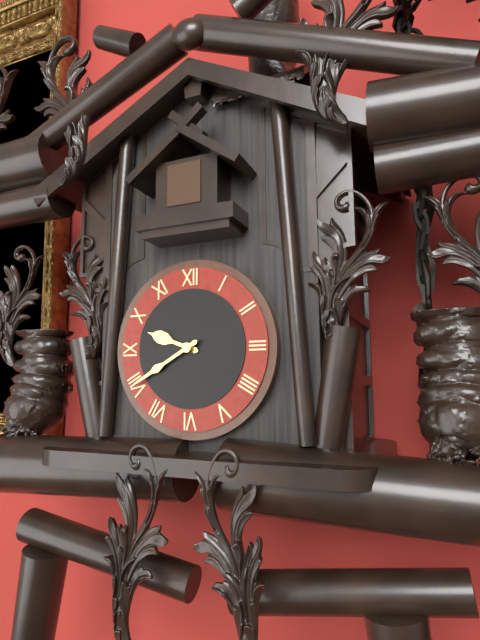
h=9 m=40
